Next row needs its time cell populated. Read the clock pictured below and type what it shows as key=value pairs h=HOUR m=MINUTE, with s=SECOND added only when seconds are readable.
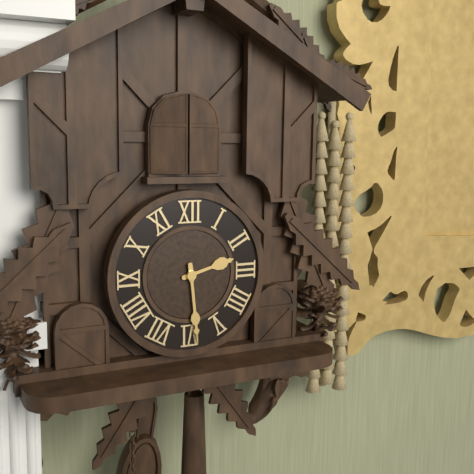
h=2 m=29
